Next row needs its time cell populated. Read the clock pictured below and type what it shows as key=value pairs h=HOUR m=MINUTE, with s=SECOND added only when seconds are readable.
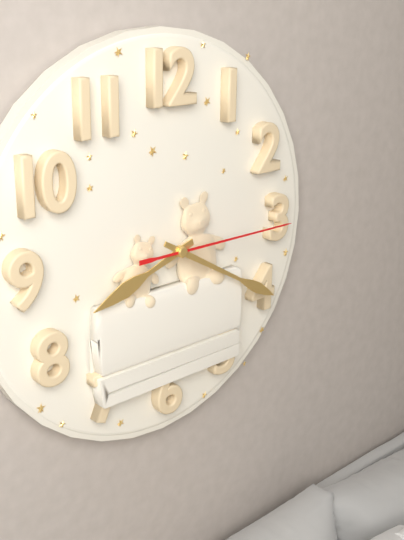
h=8 m=20 s=15
